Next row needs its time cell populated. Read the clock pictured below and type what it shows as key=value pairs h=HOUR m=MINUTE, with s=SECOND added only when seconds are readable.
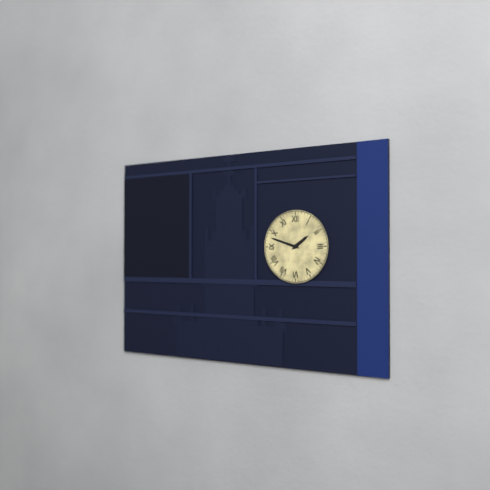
h=1 m=48
